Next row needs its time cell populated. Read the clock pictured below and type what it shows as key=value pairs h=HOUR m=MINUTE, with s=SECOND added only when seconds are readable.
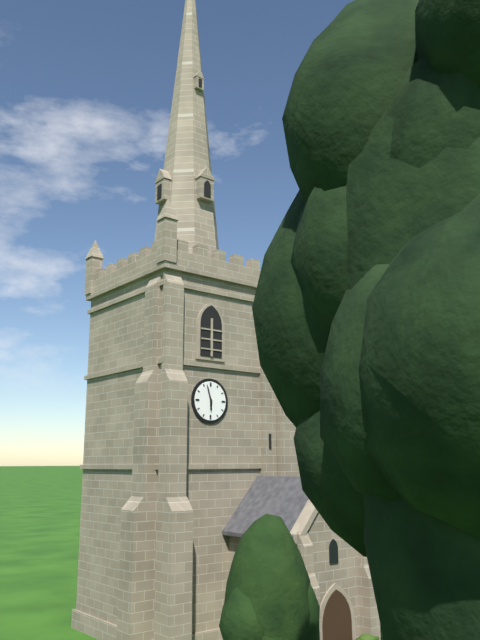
h=5 m=57
